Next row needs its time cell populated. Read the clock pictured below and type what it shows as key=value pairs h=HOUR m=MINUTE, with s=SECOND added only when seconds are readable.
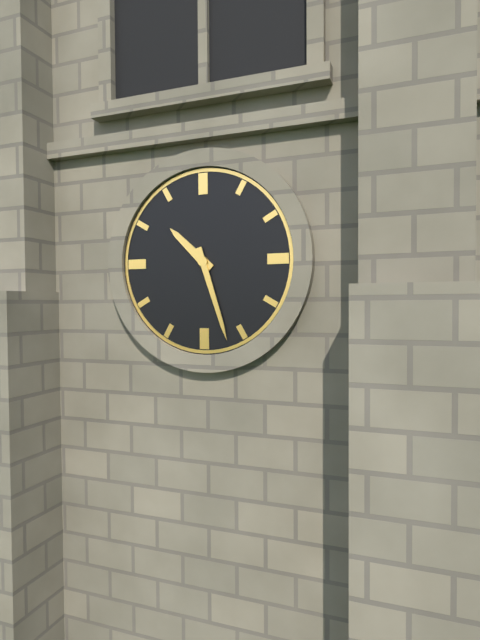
h=10 m=27
